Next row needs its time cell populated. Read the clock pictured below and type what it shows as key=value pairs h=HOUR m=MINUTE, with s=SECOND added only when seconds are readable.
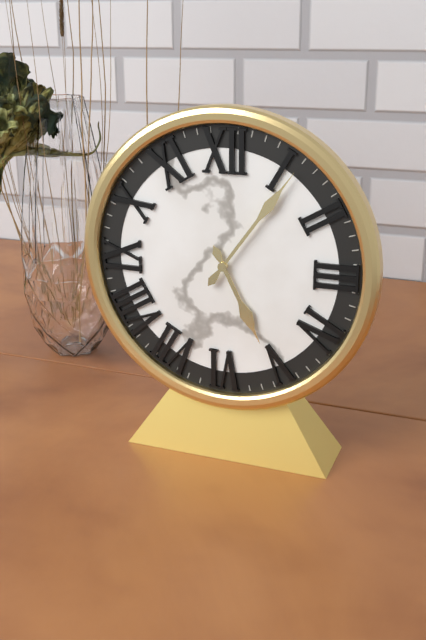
h=5 m=6
